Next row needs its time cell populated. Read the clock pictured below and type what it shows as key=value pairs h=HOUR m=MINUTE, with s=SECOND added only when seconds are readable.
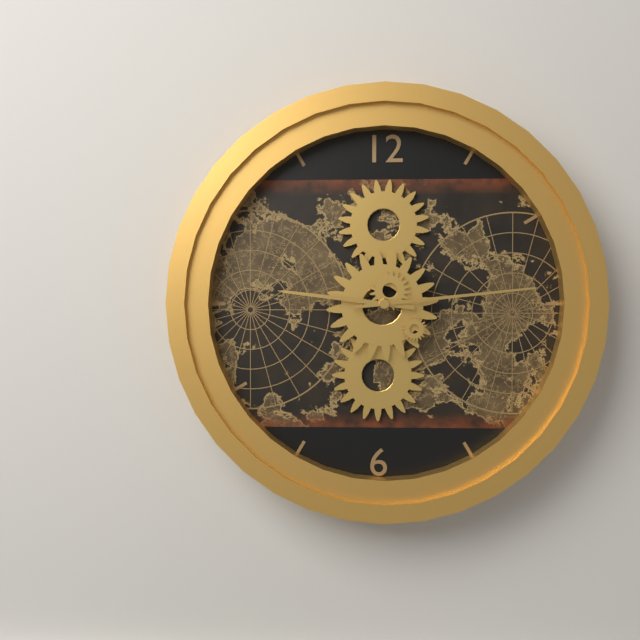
h=9 m=14
